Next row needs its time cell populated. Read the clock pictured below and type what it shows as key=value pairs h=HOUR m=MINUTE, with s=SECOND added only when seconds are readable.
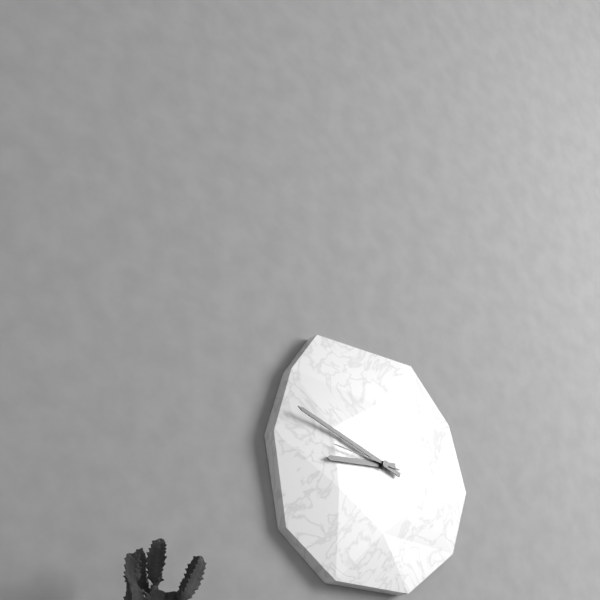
h=8 m=48 s=46
